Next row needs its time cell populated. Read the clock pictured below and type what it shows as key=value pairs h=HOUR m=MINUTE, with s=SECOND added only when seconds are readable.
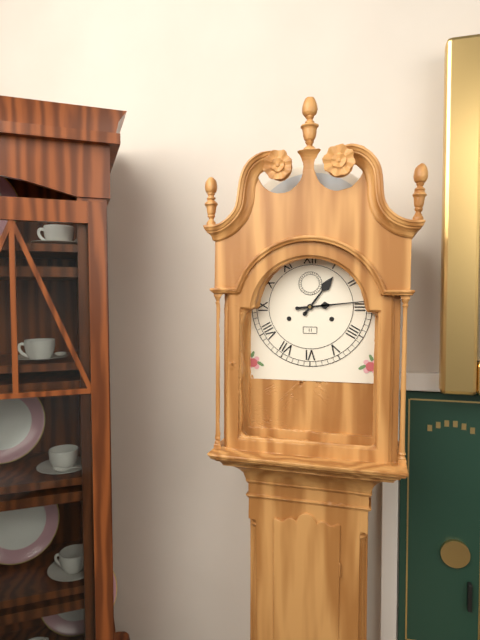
h=1 m=14
